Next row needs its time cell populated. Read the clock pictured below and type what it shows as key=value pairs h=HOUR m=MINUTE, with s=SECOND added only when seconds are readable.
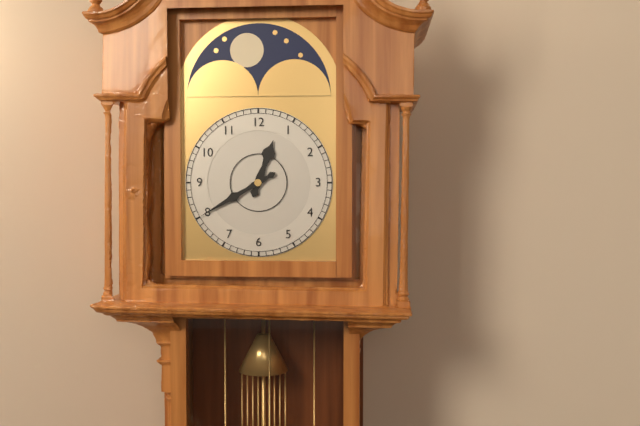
h=12 m=40
